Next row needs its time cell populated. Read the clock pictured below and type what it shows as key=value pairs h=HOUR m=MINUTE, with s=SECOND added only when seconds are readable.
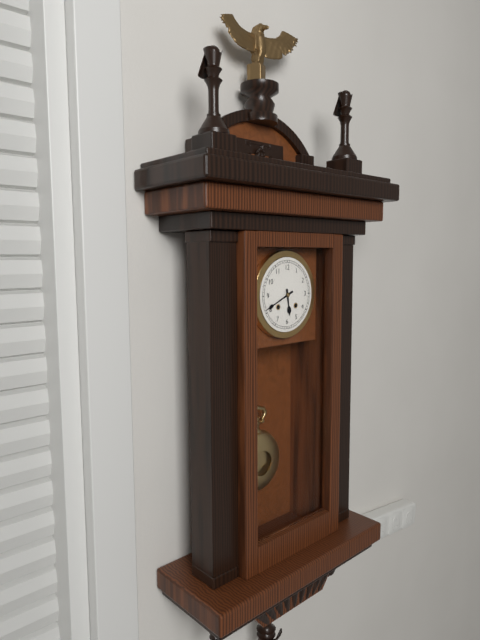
h=5 m=41
